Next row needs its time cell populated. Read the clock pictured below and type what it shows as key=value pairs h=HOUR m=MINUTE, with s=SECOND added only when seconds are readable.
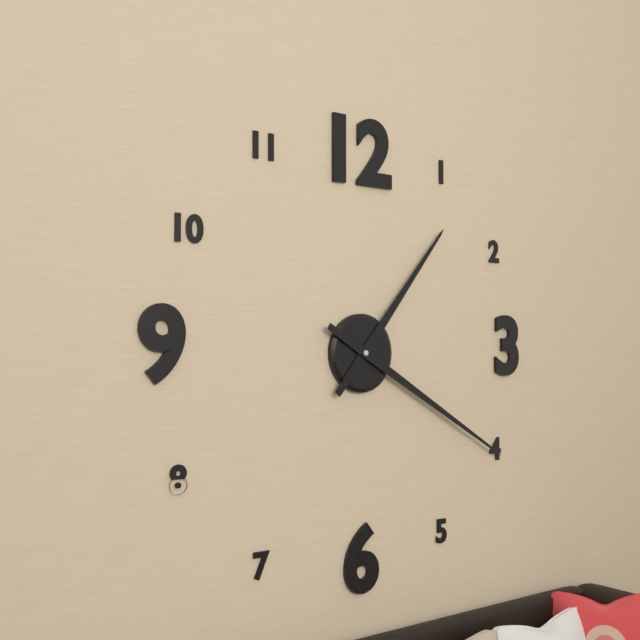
h=1 m=20
